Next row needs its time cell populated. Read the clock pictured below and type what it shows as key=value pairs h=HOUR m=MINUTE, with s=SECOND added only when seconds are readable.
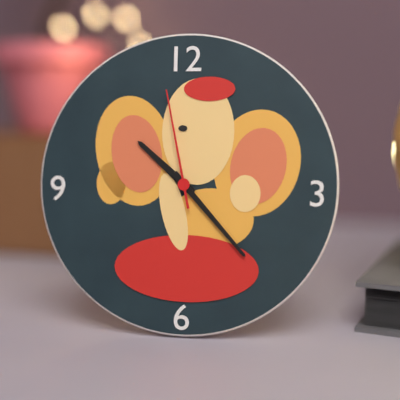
h=10 m=23 s=58
